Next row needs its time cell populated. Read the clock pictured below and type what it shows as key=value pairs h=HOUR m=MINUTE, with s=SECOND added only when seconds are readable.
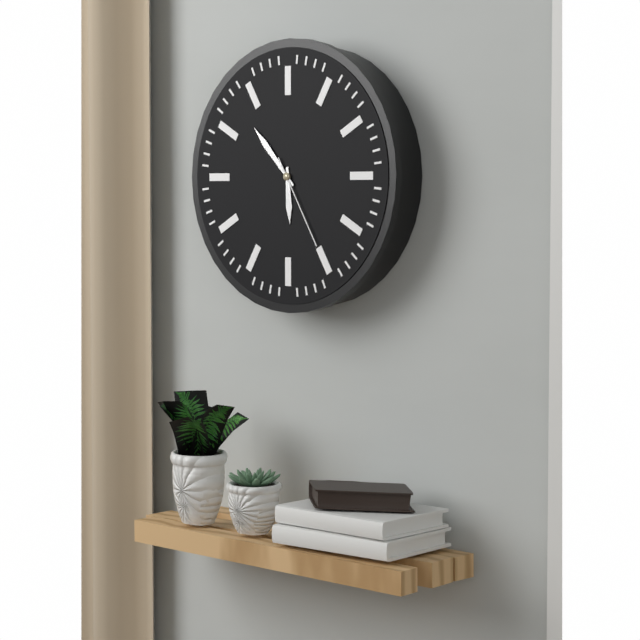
h=5 m=53 s=25
